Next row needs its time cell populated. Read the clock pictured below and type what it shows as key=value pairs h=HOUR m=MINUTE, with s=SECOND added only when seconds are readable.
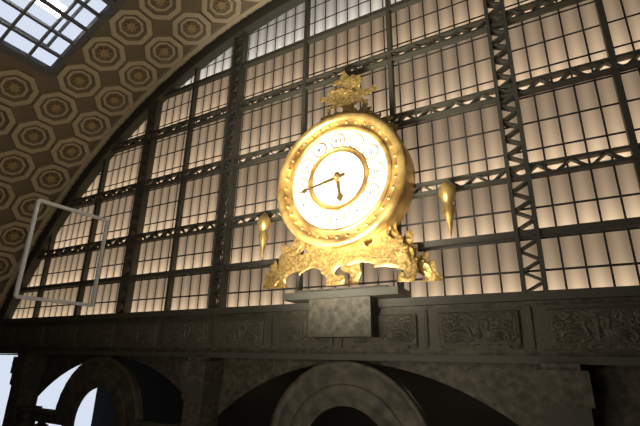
h=5 m=43
